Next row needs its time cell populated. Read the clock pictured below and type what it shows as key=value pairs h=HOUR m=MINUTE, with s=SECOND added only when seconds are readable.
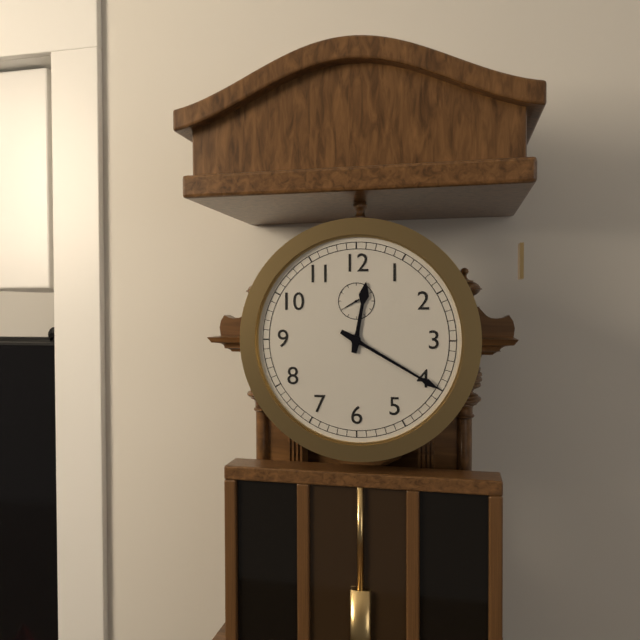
h=12 m=20
